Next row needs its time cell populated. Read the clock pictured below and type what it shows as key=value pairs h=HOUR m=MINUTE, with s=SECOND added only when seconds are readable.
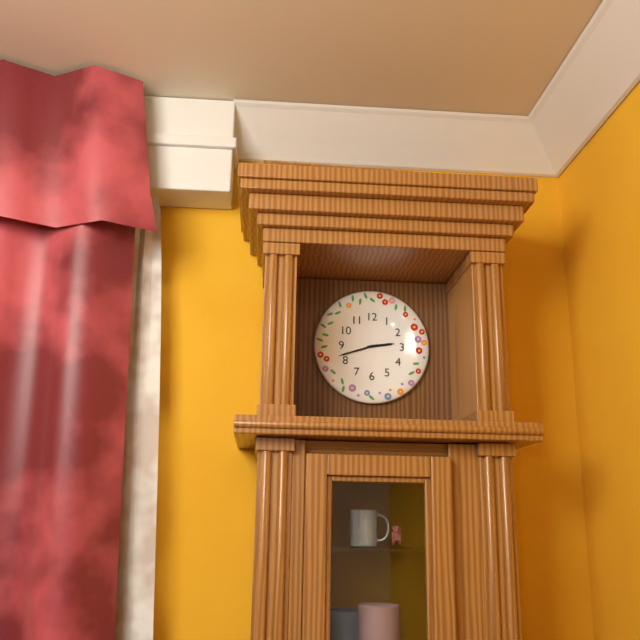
h=2 m=42
